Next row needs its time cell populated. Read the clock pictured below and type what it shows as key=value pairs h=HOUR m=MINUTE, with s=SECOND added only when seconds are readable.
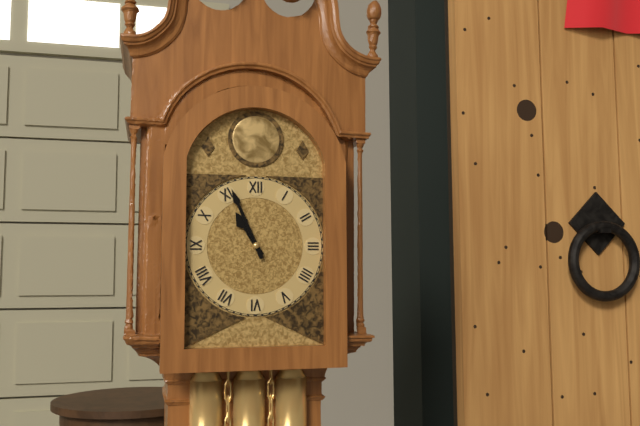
h=10 m=56
